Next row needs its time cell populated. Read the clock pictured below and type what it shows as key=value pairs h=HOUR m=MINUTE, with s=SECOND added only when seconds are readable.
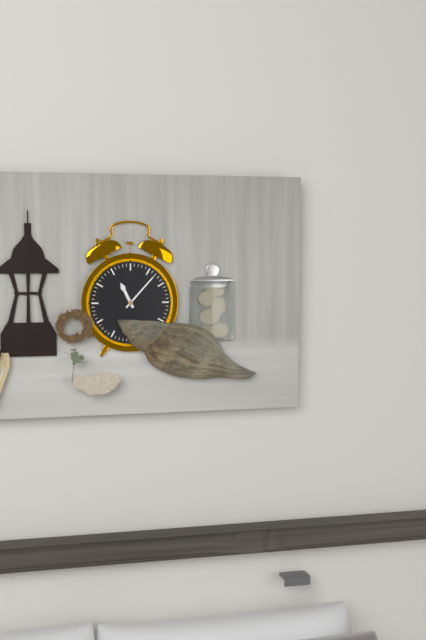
h=11 m=7
